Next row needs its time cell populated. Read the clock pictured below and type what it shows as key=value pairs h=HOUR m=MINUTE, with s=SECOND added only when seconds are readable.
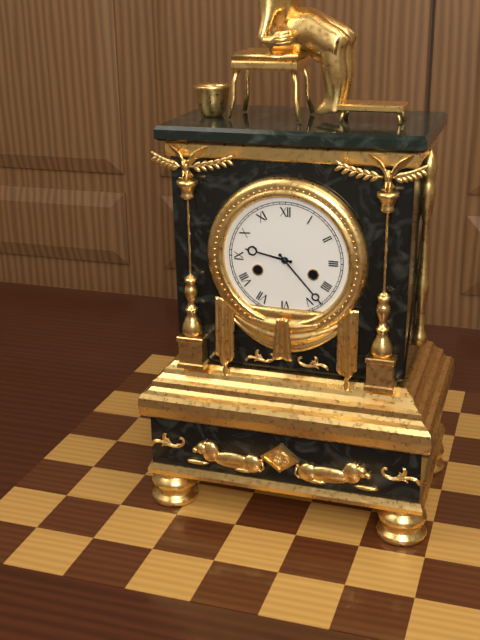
h=9 m=23
